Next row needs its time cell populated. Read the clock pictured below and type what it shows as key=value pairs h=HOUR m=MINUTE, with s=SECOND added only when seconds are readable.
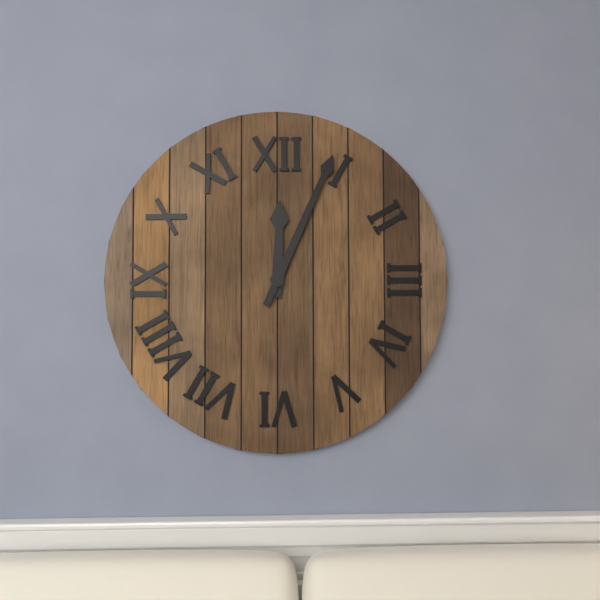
h=12 m=4
